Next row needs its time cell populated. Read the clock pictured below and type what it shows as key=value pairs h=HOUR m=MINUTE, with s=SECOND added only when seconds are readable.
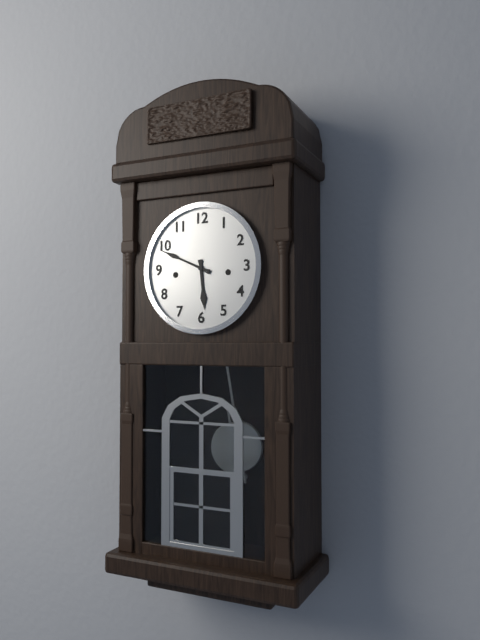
h=5 m=49
